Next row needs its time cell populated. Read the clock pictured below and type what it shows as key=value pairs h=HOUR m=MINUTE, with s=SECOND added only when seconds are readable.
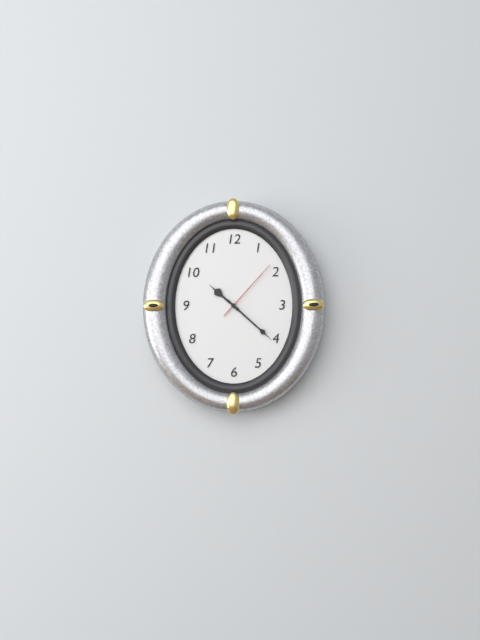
h=10 m=22 s=7
